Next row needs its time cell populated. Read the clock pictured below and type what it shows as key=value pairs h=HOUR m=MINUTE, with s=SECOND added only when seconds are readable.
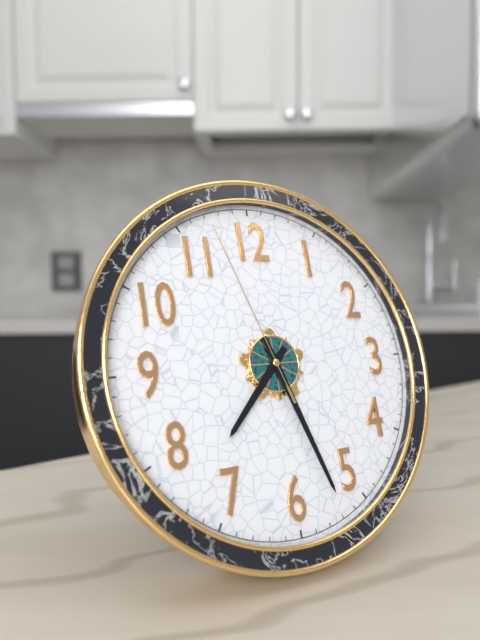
h=7 m=27 s=57
